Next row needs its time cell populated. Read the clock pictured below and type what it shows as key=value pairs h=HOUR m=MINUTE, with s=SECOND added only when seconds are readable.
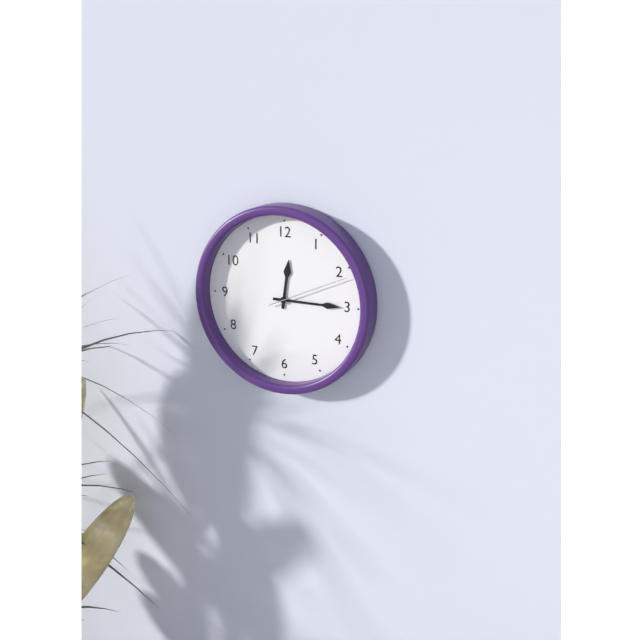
h=12 m=15 s=11
